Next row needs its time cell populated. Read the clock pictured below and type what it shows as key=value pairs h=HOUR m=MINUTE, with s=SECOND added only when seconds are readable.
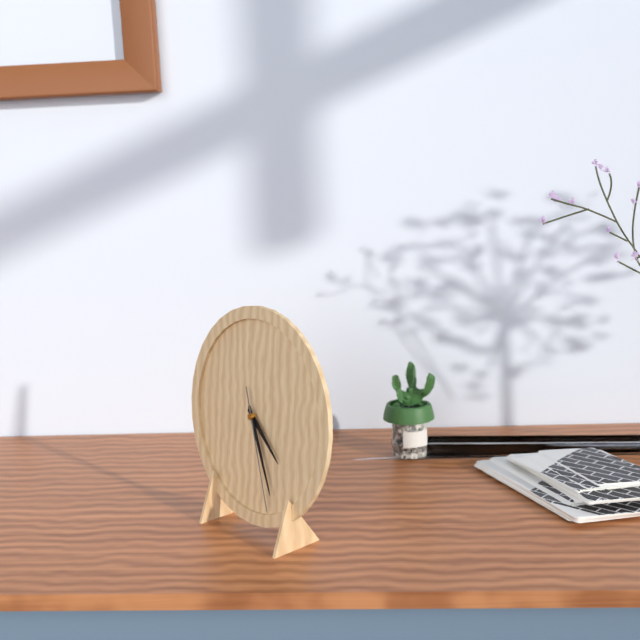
h=4 m=26 s=27
